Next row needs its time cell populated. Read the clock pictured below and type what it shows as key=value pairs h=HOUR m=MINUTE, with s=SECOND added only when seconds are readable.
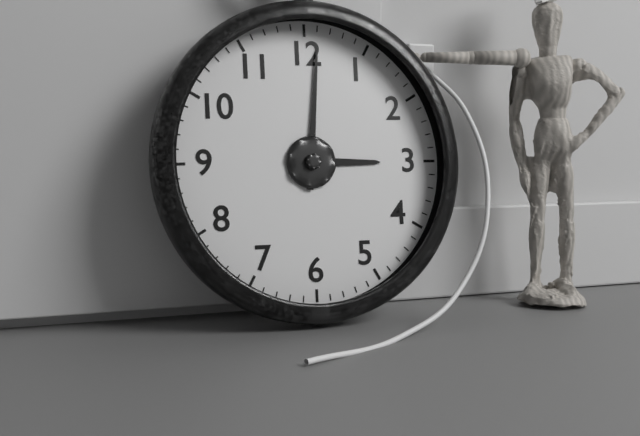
h=3 m=1
